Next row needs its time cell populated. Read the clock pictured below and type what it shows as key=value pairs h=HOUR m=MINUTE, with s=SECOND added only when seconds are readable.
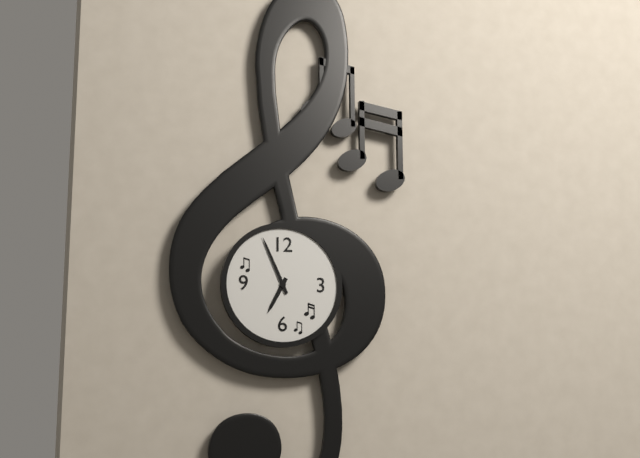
h=6 m=56
